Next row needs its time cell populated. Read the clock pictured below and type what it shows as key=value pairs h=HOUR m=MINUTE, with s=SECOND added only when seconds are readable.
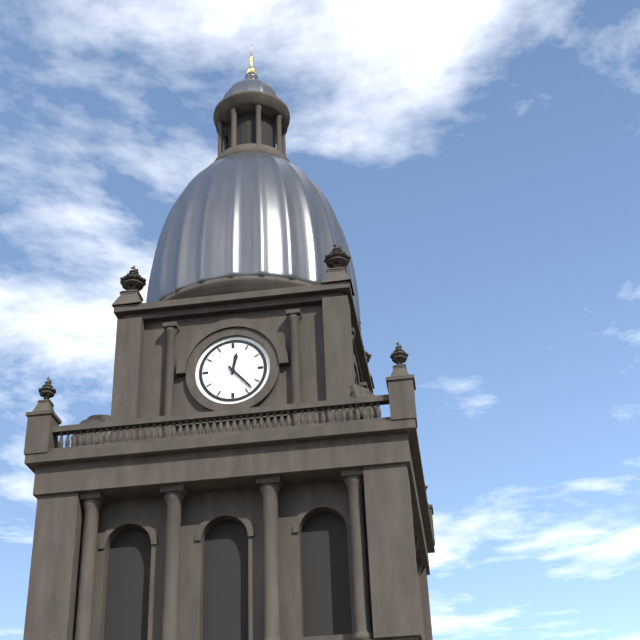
h=12 m=23
